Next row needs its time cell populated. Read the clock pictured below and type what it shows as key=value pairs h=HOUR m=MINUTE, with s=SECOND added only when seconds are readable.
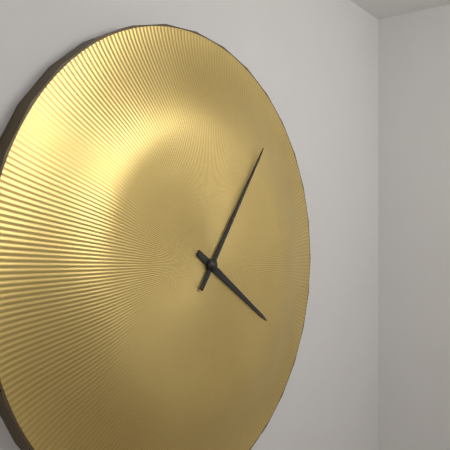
h=4 m=6
